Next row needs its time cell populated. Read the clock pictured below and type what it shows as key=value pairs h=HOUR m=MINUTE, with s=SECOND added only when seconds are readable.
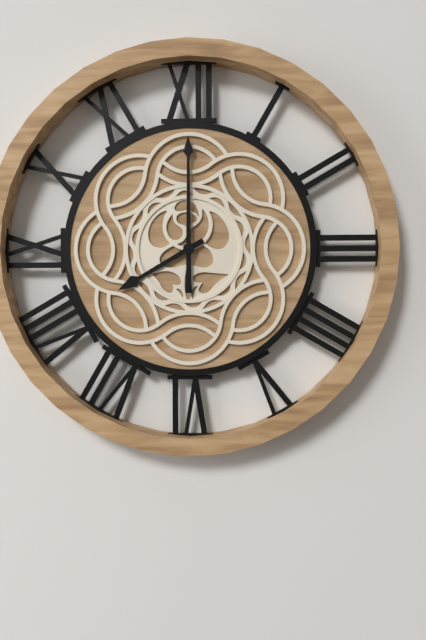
h=8 m=0
